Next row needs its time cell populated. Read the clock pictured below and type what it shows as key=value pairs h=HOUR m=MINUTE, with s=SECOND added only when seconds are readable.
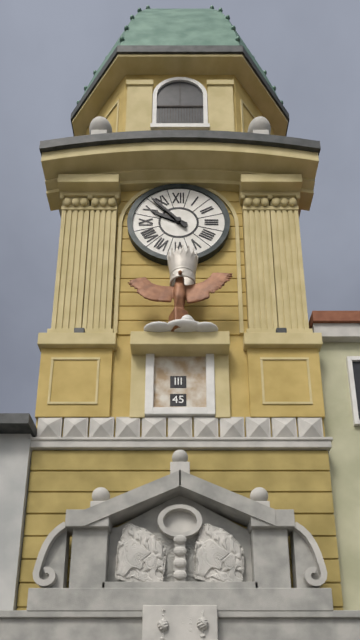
h=9 m=53
